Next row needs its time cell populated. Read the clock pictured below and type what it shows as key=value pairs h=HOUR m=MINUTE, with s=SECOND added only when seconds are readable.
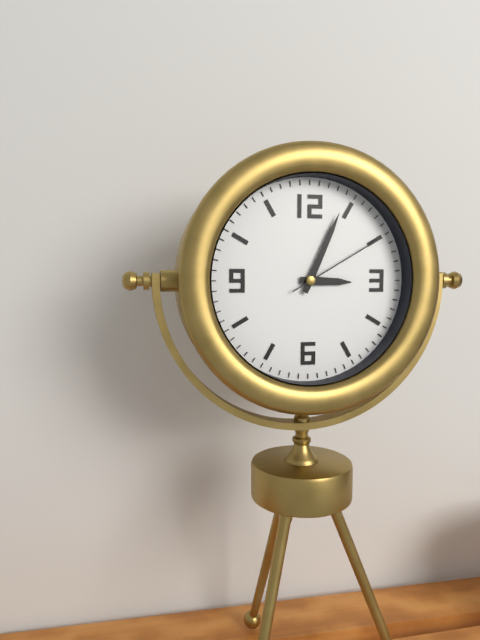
h=3 m=4 s=10
